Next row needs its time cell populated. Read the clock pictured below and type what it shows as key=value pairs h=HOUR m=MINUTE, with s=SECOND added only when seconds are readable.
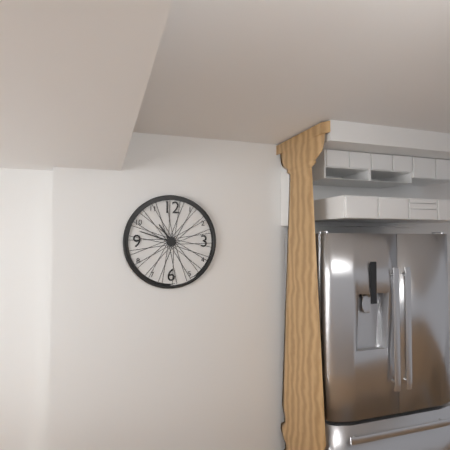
h=10 m=48
